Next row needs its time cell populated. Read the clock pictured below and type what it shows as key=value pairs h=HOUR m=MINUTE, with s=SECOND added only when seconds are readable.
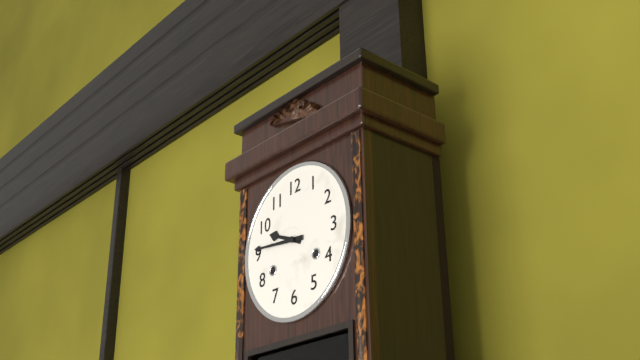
h=9 m=46
